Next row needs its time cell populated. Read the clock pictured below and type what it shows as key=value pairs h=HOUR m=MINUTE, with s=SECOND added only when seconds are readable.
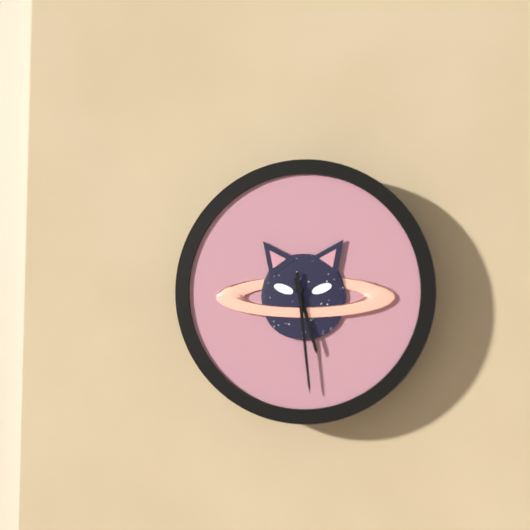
h=5 m=29
